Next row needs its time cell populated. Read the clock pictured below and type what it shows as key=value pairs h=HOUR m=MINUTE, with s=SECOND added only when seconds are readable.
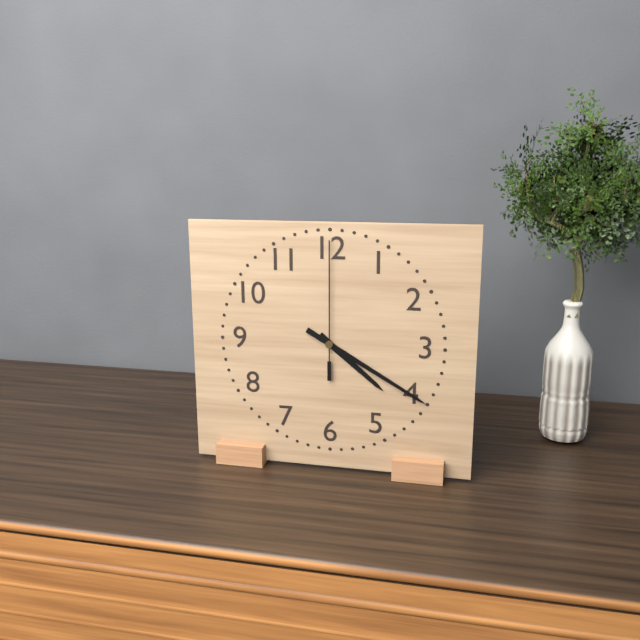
h=4 m=20 s=0
